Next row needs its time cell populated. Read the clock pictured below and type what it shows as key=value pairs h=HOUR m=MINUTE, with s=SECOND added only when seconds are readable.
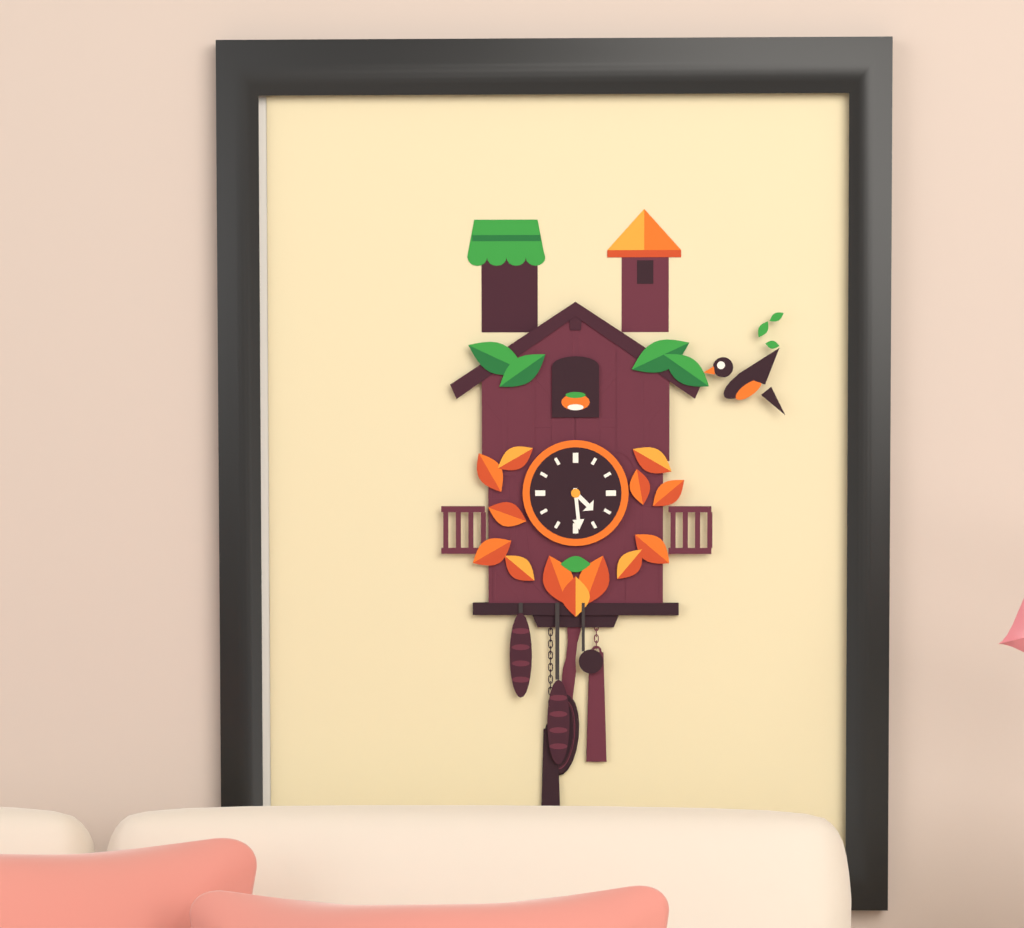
h=4 m=29
